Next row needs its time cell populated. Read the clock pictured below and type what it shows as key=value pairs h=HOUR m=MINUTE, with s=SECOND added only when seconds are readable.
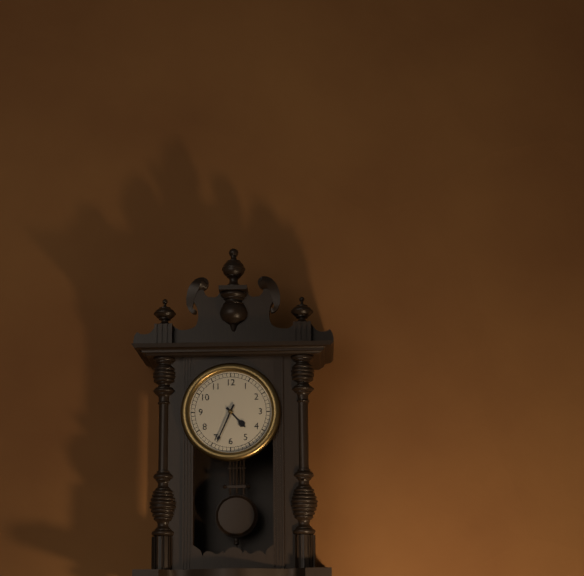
h=4 m=34
